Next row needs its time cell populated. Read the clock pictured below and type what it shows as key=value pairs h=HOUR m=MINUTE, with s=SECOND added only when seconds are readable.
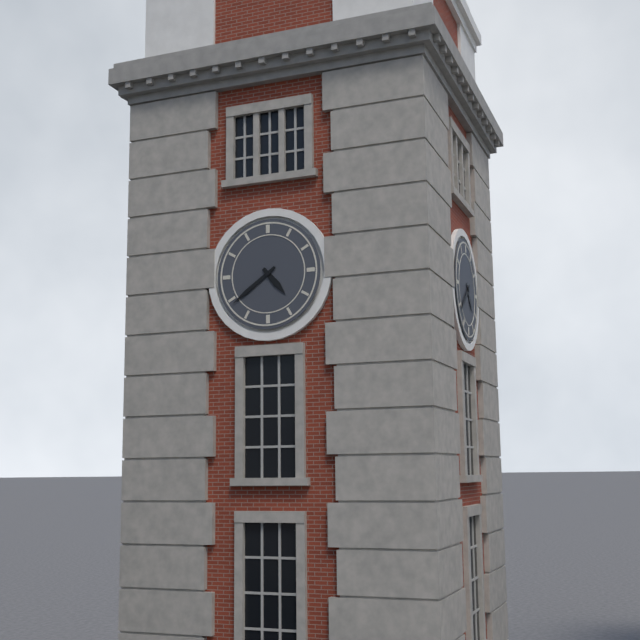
h=4 m=39
